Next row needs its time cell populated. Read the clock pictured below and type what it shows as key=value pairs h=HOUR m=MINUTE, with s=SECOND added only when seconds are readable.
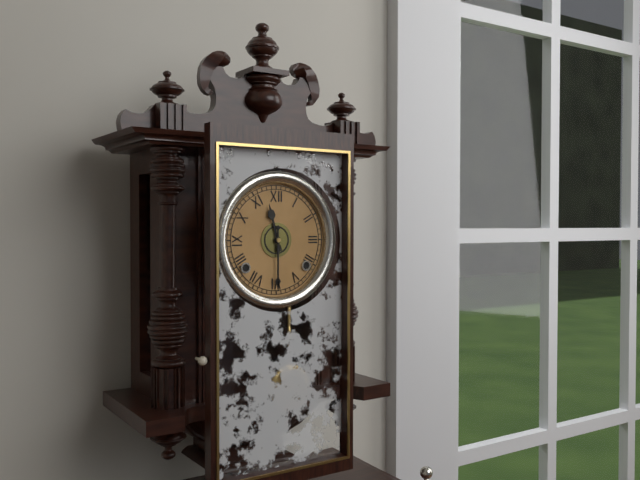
h=11 m=30
